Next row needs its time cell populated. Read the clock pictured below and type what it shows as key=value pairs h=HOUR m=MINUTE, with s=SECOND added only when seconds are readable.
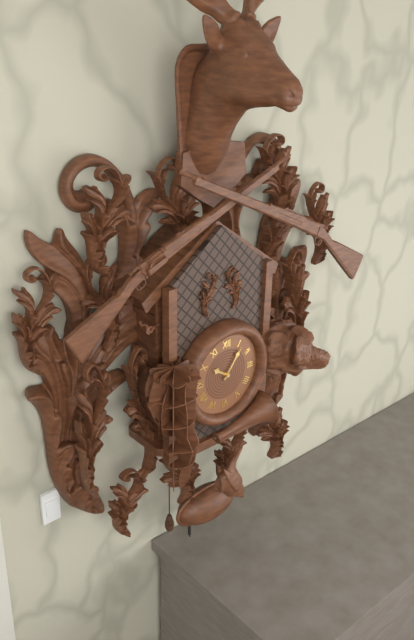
h=10 m=6
